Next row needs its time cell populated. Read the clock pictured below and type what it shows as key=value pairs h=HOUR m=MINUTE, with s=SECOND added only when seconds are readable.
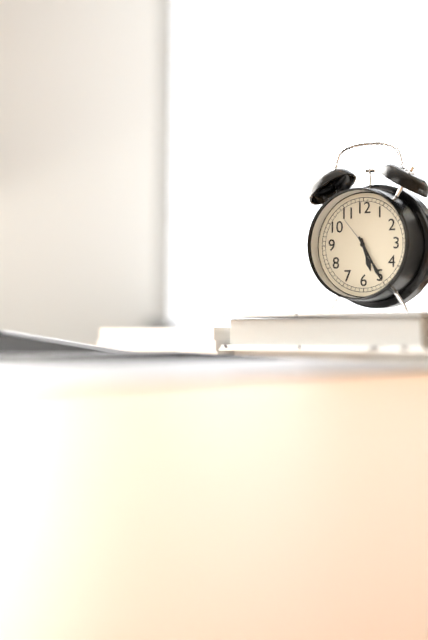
h=5 m=25
